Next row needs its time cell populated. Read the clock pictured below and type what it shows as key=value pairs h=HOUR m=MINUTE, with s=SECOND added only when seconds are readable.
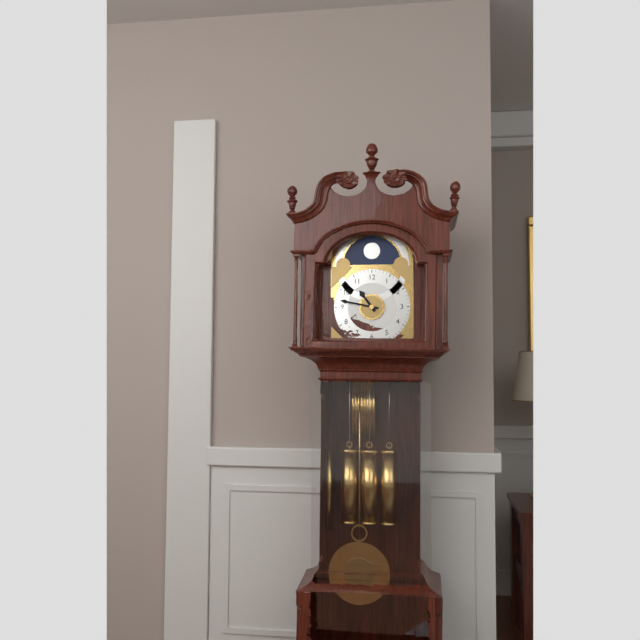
h=10 m=47
